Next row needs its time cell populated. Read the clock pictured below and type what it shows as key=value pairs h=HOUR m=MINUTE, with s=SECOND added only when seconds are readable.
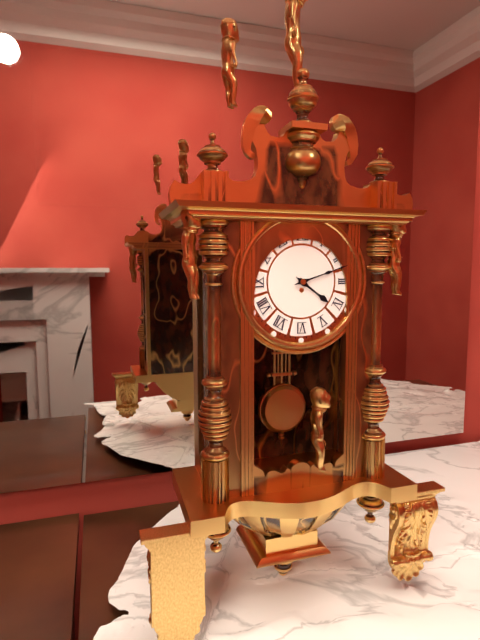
h=4 m=12
